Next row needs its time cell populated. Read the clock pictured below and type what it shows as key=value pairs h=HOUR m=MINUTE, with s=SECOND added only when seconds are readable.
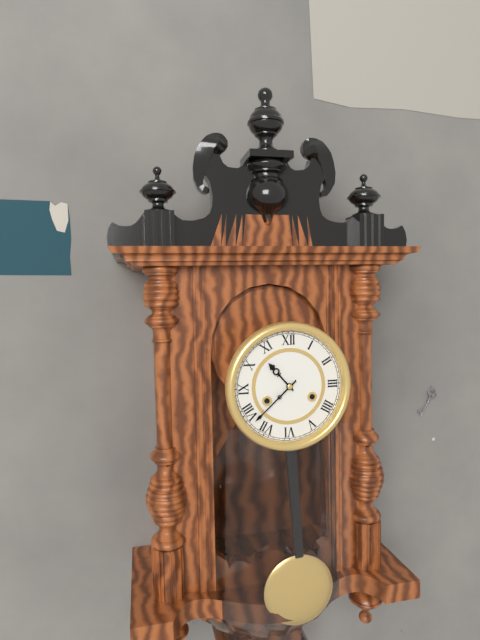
h=10 m=38
